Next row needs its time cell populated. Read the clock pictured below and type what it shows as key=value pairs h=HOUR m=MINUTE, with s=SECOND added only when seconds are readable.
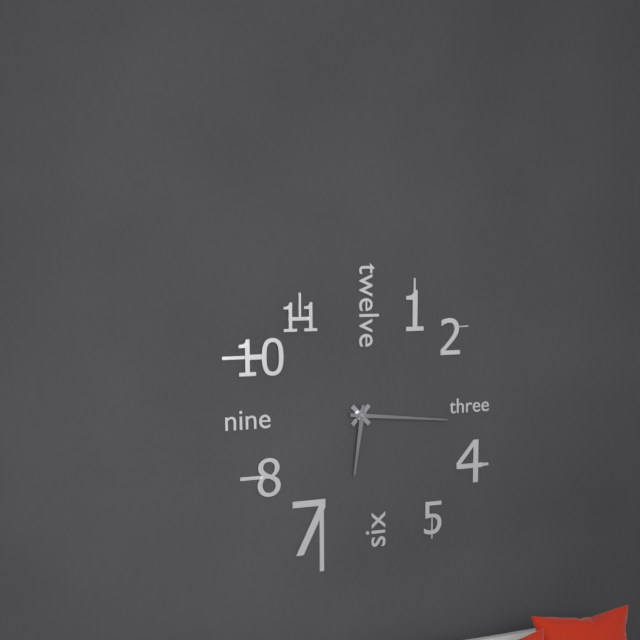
h=6 m=16
